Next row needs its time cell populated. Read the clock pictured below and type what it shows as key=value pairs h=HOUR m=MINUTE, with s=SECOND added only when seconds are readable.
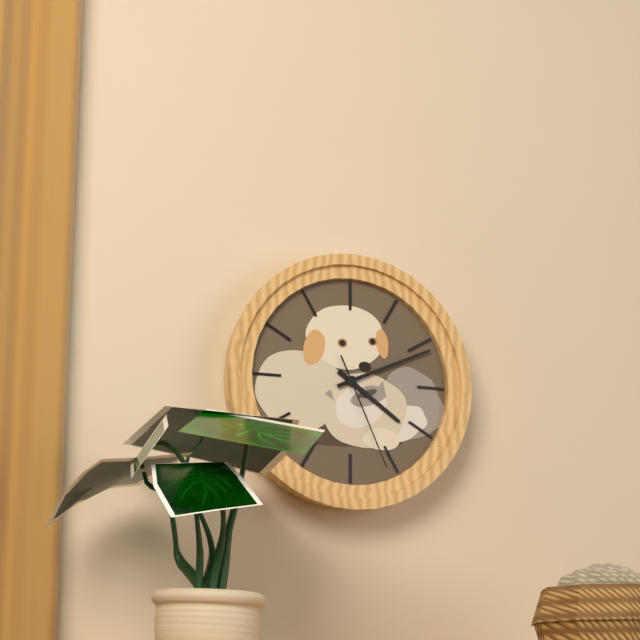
h=4 m=11 s=26
